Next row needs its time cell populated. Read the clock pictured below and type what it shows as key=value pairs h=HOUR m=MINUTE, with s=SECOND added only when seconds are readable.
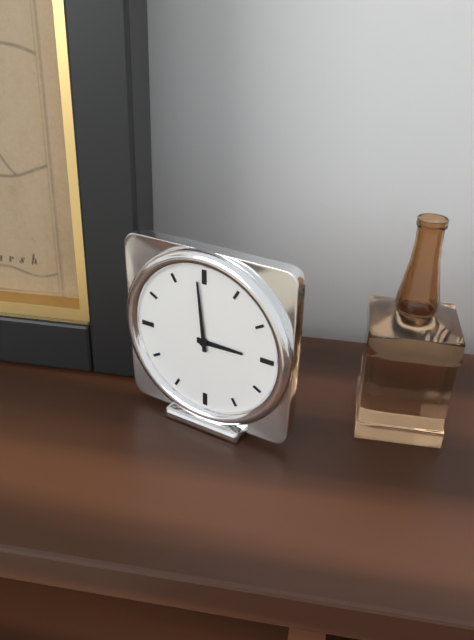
h=2 m=59
